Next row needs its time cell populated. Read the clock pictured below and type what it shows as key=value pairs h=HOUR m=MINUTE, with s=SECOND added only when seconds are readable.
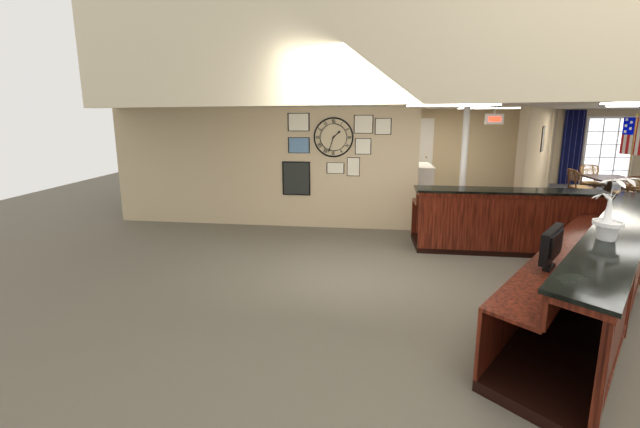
h=1 m=33
